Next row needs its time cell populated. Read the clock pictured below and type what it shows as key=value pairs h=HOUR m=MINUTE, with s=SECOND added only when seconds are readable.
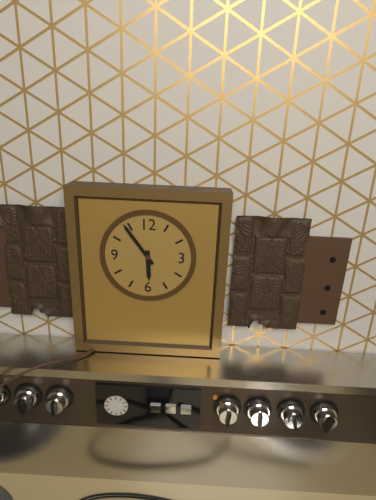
h=5 m=54
